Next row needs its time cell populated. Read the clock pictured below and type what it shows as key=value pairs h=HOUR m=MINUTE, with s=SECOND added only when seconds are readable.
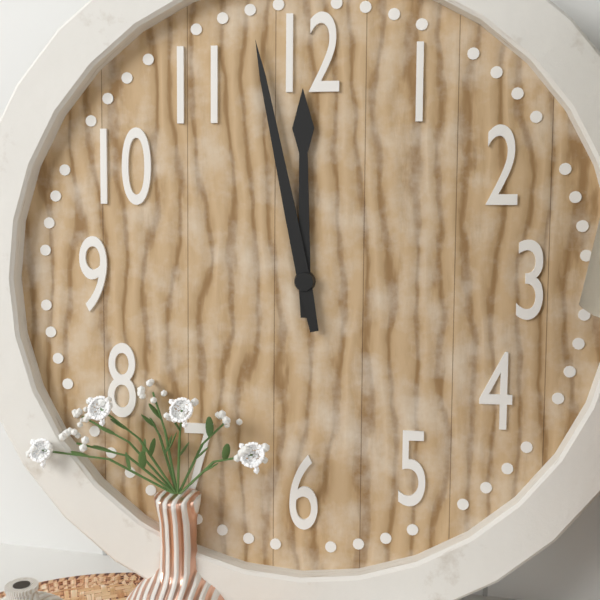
h=11 m=58
